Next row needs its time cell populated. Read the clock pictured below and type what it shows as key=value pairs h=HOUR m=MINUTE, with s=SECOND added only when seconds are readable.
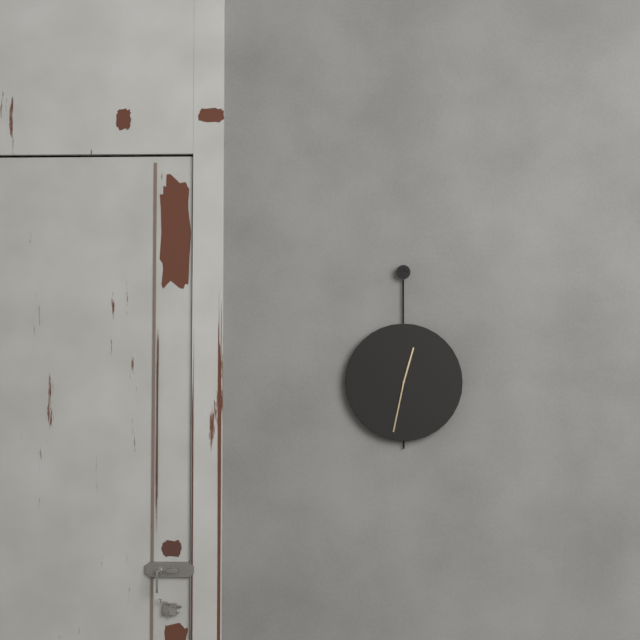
h=12 m=32
